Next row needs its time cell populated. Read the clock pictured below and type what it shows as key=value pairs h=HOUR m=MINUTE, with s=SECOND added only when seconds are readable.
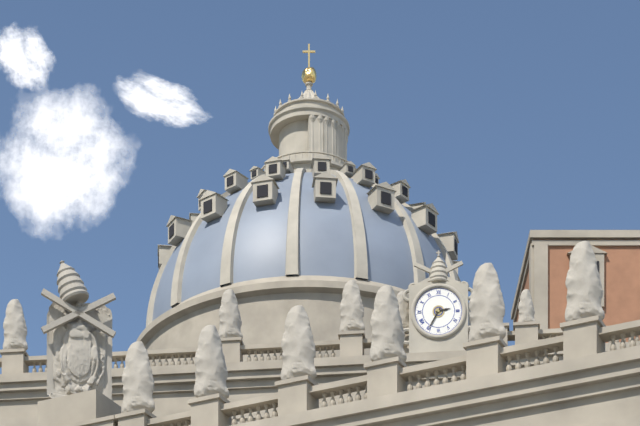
h=2 m=35
